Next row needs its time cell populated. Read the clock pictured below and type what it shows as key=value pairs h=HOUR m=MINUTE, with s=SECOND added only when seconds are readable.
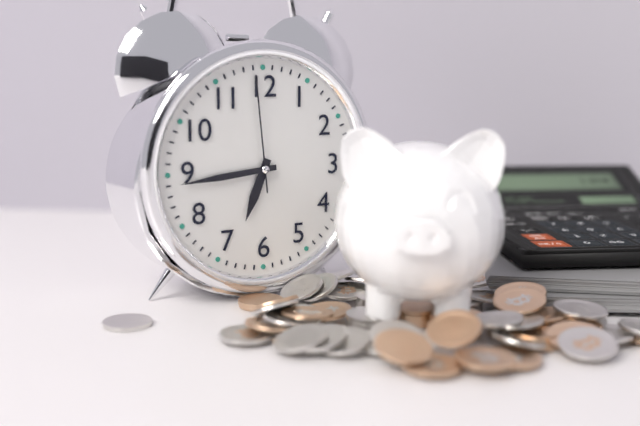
h=6 m=44 s=59
